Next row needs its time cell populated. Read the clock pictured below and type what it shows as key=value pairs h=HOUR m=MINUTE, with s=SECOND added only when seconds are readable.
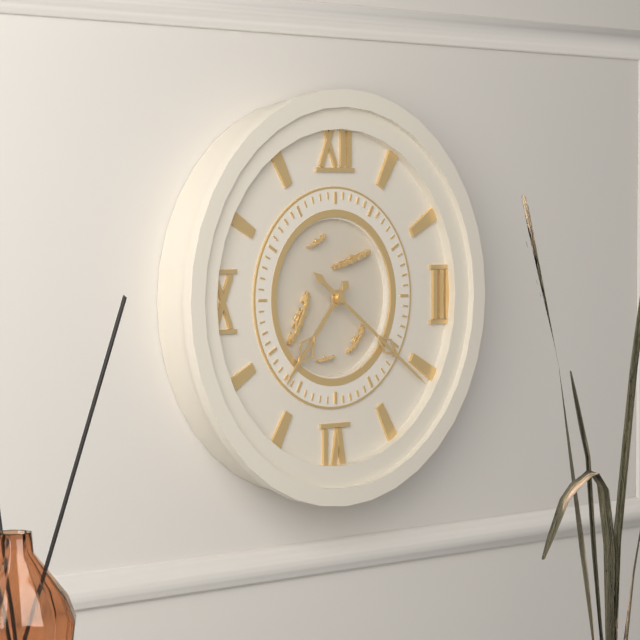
h=7 m=21
